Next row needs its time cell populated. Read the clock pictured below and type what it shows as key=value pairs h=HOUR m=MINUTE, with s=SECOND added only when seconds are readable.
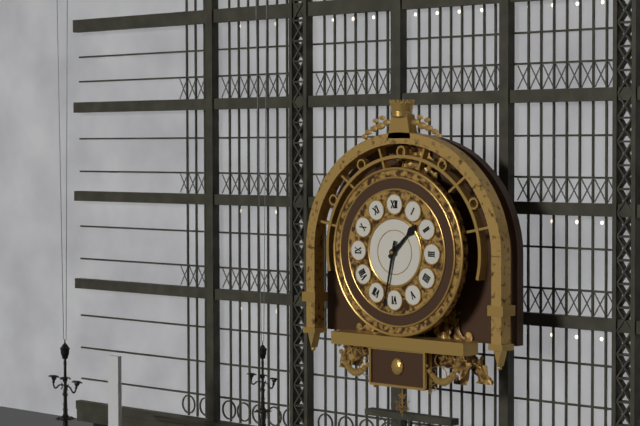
h=1 m=32
